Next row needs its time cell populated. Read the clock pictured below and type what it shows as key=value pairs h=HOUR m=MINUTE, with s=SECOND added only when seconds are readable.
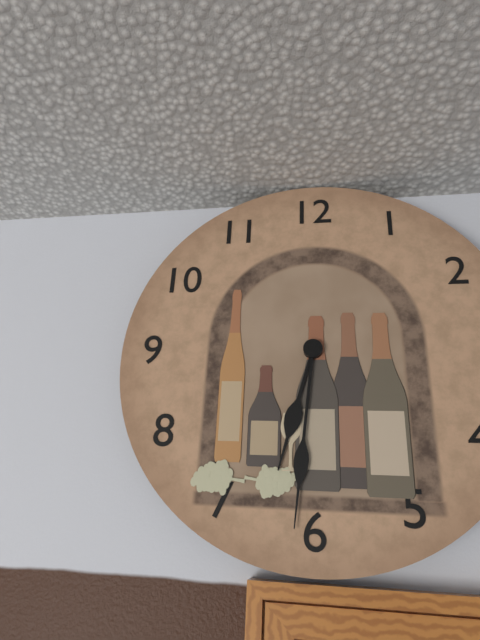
h=6 m=31
